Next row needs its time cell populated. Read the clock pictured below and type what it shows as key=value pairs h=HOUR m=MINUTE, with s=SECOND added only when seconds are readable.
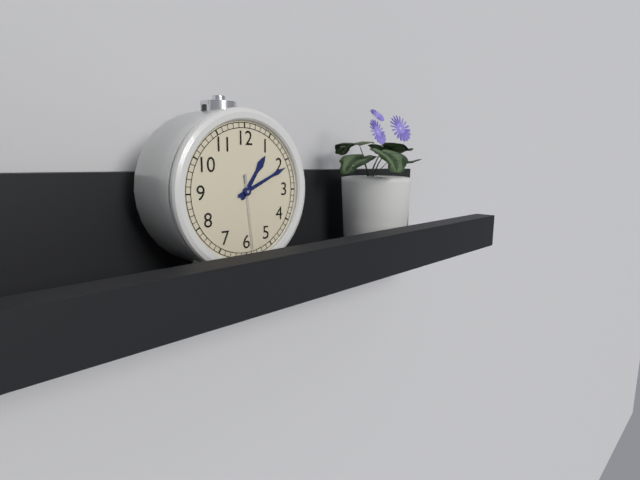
h=1 m=11 s=29
